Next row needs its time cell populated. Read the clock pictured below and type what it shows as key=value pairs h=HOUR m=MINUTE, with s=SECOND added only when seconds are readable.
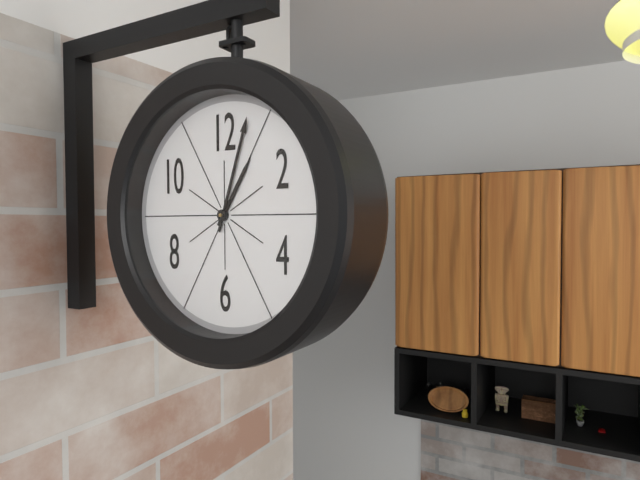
h=1 m=3
